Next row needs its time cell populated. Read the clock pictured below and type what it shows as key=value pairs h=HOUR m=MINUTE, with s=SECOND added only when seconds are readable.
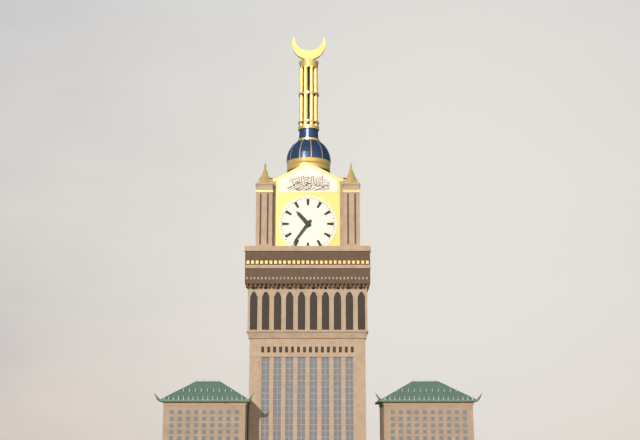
h=10 m=36
